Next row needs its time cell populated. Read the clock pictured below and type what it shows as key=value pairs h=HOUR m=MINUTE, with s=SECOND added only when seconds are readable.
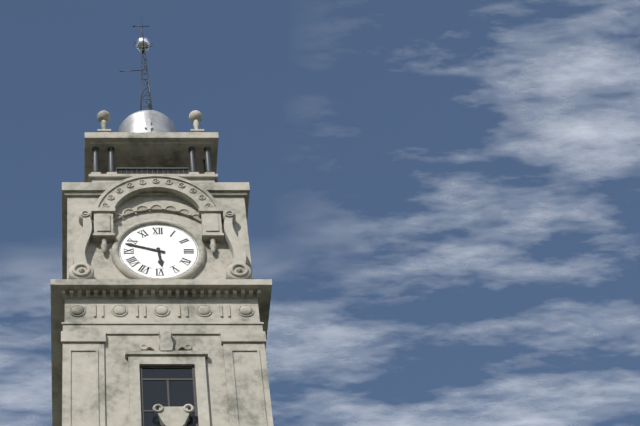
h=5 m=48
